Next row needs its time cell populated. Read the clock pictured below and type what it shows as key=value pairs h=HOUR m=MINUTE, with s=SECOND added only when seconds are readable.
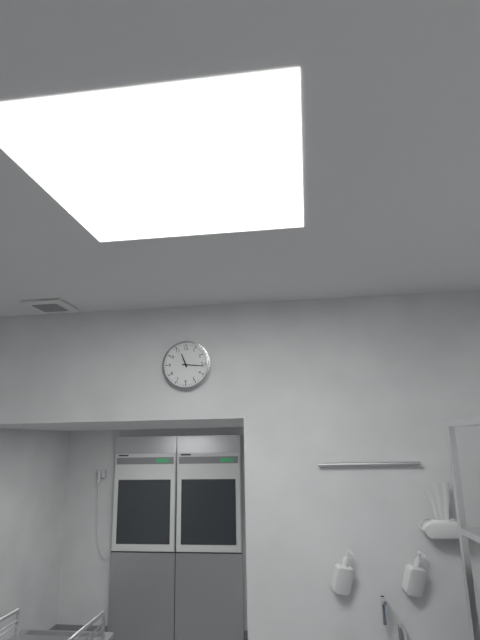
h=11 m=16
